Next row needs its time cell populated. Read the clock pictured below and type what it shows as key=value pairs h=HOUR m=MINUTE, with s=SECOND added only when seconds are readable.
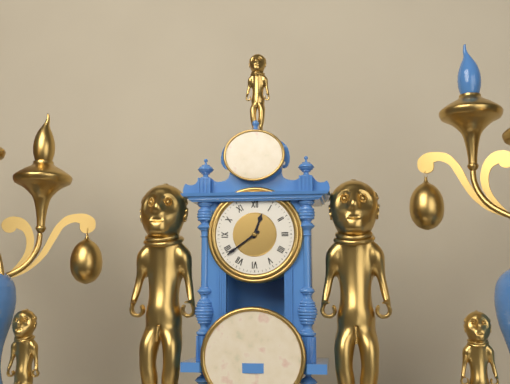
h=12 m=39
